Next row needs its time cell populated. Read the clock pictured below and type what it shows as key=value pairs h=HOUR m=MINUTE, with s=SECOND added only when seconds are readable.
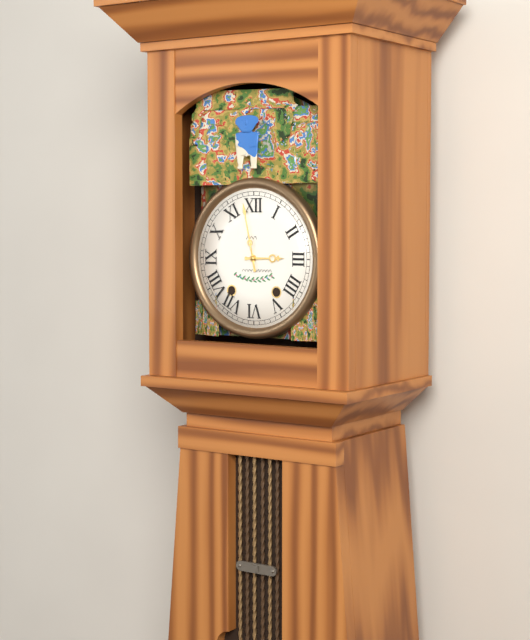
h=2 m=58
